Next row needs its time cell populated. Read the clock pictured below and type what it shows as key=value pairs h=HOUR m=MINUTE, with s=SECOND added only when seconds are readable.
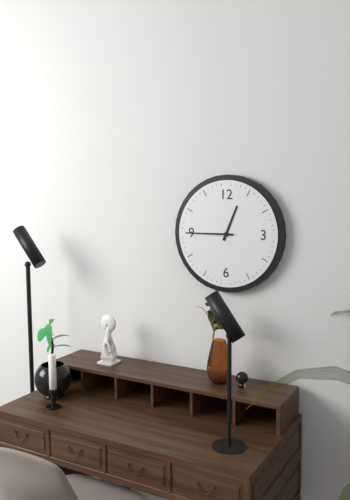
h=12 m=45
